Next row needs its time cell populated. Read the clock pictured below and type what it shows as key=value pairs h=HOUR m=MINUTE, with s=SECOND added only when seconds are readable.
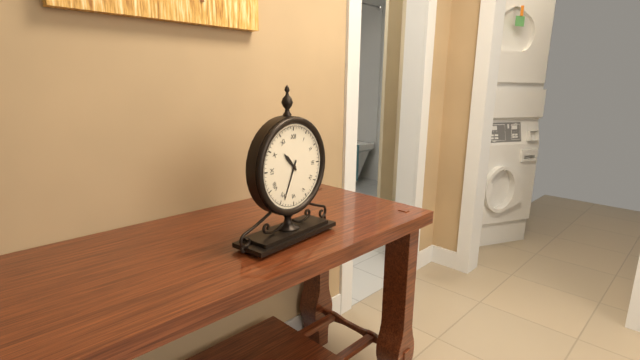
h=10 m=34
